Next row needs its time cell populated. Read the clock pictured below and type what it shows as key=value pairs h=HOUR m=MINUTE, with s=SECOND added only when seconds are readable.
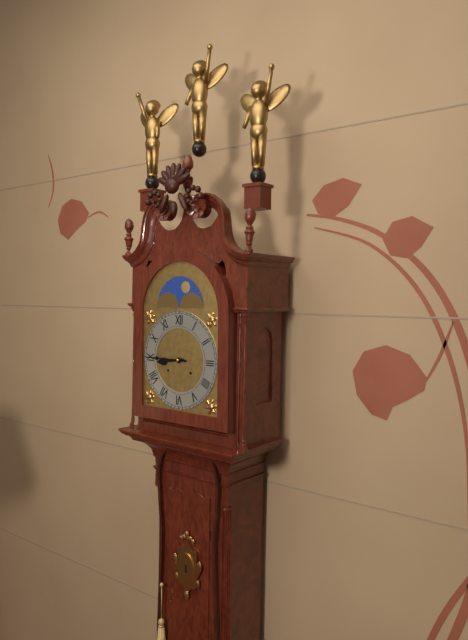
h=8 m=45
